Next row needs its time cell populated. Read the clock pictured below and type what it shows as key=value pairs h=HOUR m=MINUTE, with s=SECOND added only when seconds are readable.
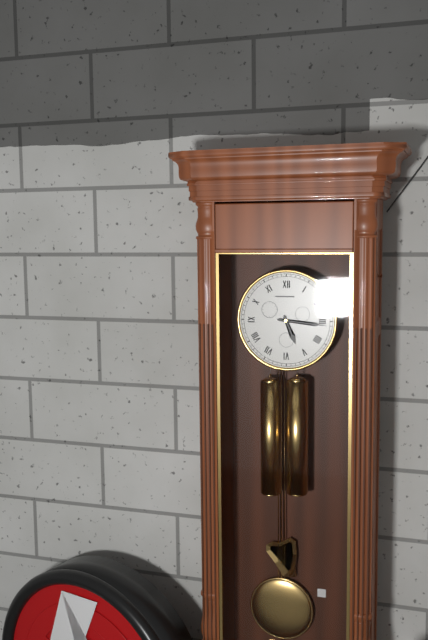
h=5 m=16
